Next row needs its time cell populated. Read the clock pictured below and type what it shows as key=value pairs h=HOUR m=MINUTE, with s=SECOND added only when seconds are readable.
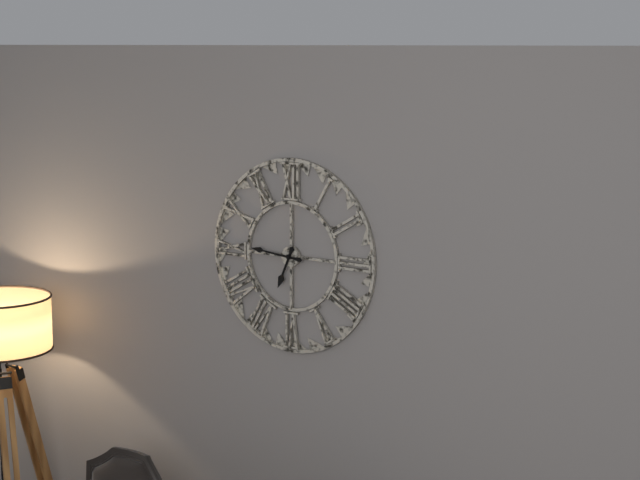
h=6 m=46
